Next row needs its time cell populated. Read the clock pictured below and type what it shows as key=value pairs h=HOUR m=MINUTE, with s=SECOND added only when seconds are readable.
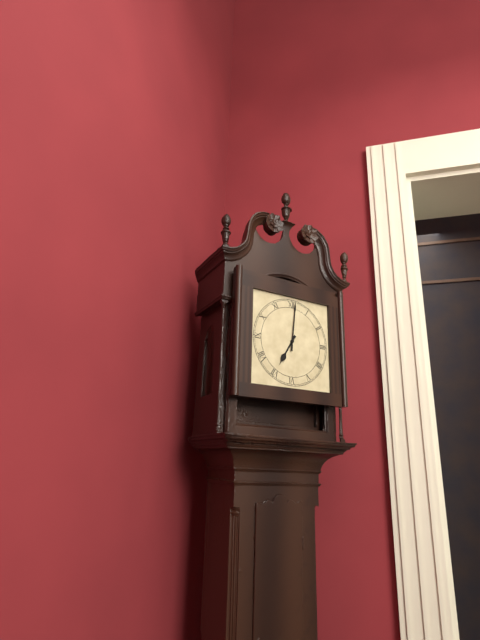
h=7 m=1
